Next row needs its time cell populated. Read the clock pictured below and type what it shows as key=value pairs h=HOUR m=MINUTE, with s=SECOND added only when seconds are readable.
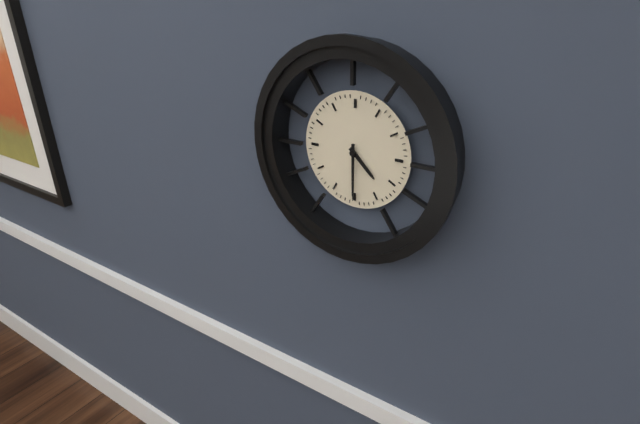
h=4 m=30
